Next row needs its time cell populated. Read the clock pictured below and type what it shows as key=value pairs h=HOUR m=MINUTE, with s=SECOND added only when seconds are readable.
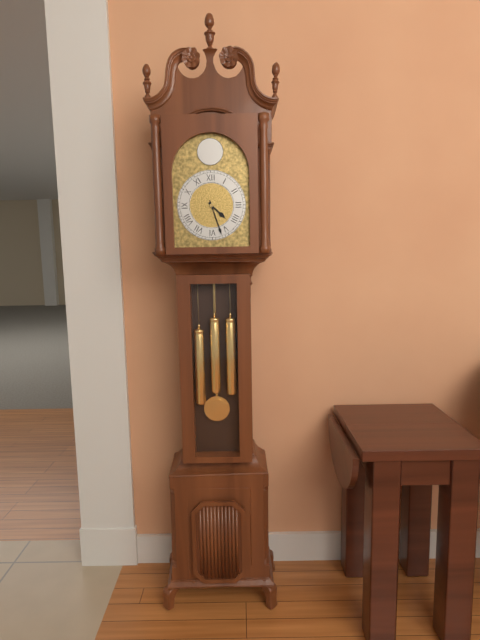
h=4 m=27
